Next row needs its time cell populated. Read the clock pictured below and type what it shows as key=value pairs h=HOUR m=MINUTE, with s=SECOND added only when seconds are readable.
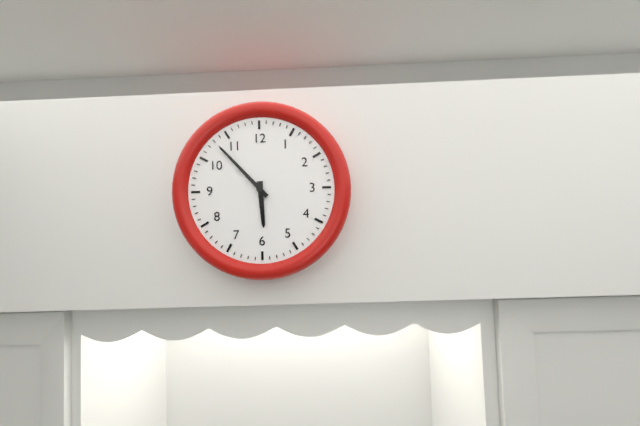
h=5 m=53
